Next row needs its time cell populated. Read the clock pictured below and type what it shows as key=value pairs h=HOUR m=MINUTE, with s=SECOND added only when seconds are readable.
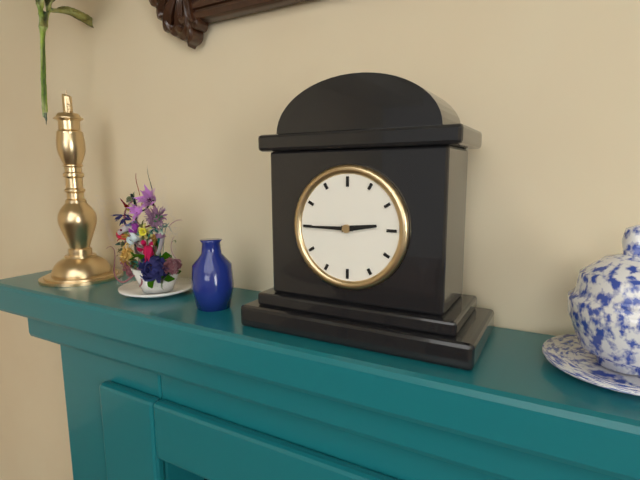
h=2 m=45
